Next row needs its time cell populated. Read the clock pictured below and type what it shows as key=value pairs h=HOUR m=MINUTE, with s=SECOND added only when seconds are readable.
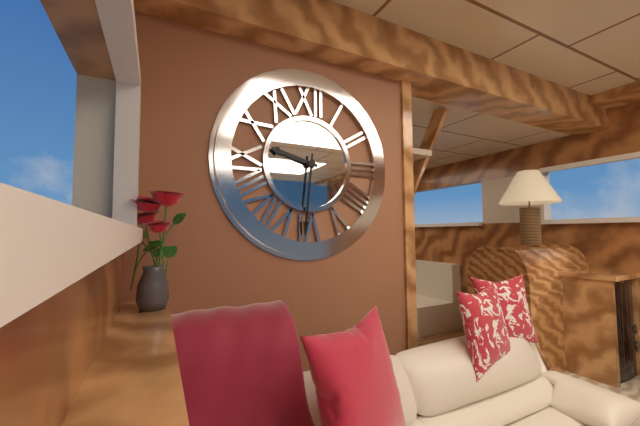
h=9 m=31
